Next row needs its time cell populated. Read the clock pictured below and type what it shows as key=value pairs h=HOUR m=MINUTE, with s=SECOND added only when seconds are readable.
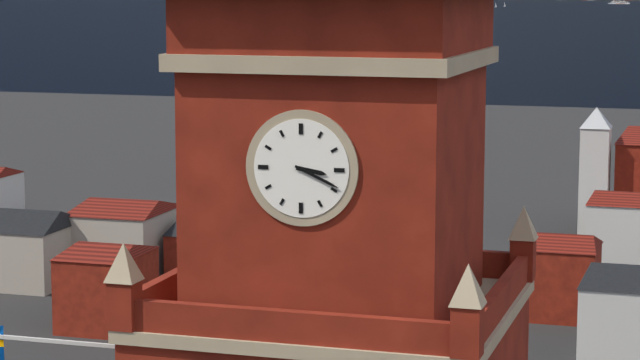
h=3 m=19
